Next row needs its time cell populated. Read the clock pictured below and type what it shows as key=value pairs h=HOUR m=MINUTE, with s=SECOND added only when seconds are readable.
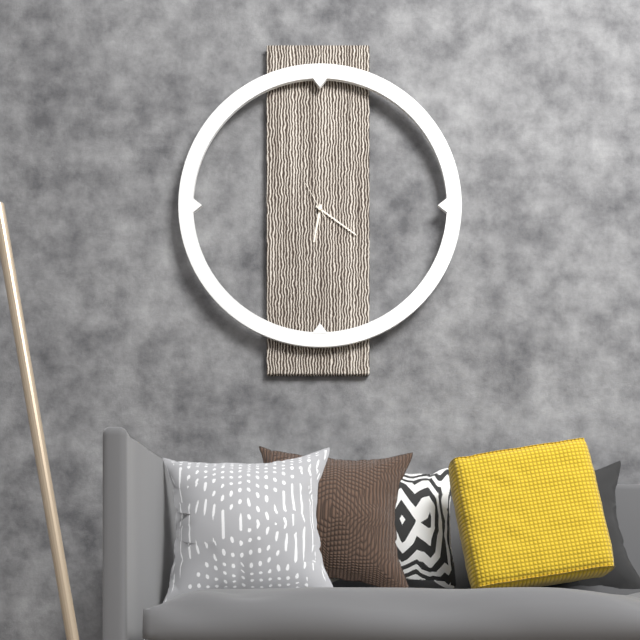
h=6 m=21
